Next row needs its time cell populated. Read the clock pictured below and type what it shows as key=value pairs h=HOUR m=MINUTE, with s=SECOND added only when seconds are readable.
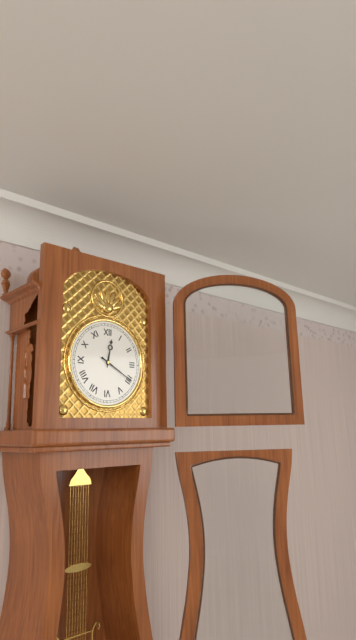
h=12 m=20
